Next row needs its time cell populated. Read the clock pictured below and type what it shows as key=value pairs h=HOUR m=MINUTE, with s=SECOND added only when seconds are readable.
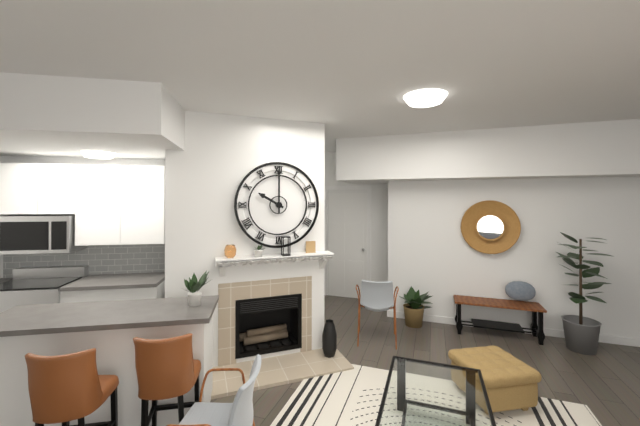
h=10 m=0
